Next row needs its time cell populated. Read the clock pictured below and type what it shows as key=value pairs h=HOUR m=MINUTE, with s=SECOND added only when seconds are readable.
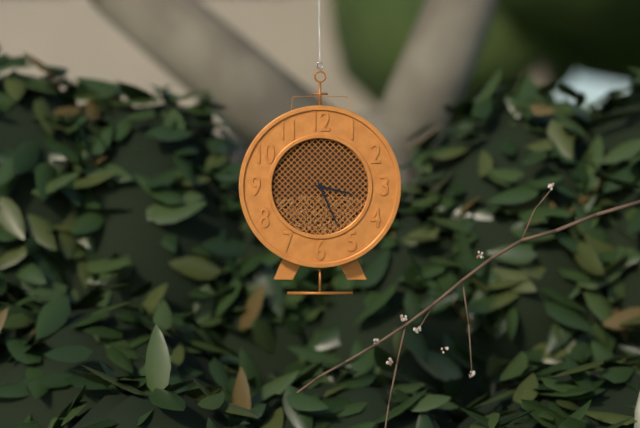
h=3 m=26
